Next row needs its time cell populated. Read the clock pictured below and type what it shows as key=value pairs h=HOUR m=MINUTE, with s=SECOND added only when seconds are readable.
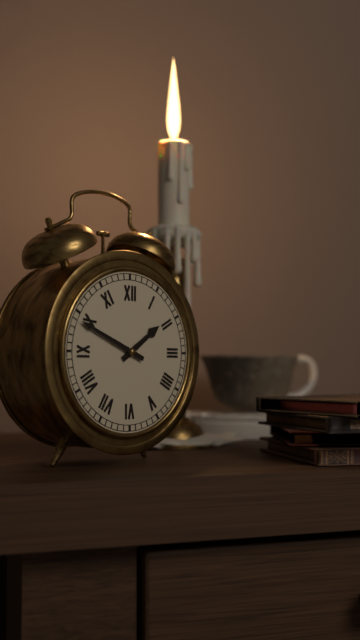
h=1 m=49
